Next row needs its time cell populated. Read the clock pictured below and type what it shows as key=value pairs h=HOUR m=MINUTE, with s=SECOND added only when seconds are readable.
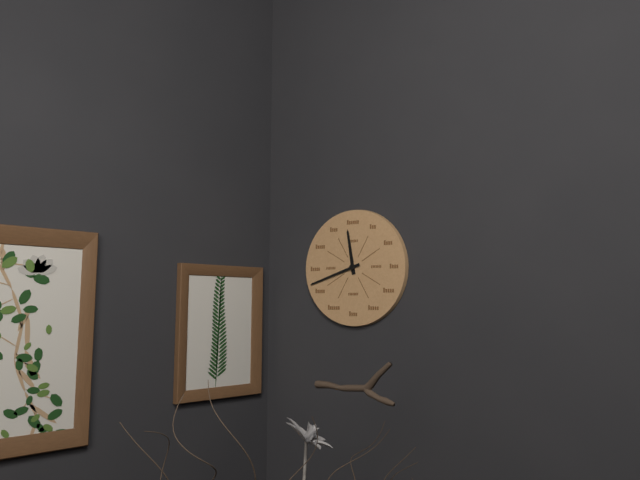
h=11 m=42
